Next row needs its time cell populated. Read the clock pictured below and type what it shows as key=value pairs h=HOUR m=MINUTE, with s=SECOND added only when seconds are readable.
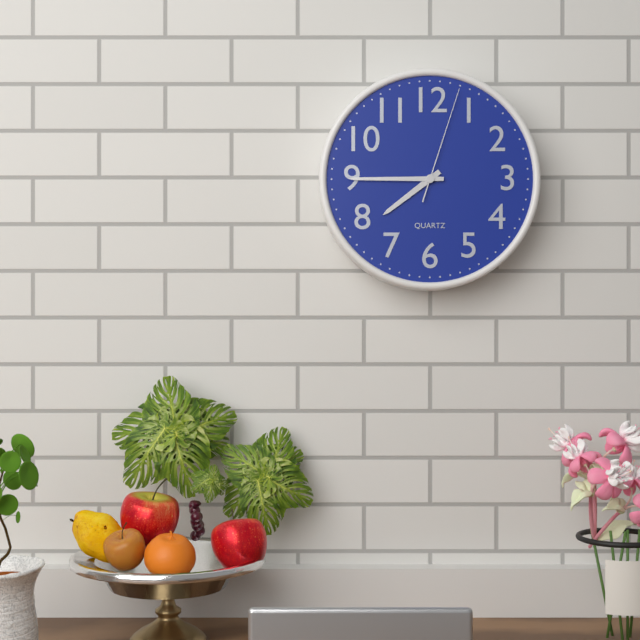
h=7 m=45 s=3
